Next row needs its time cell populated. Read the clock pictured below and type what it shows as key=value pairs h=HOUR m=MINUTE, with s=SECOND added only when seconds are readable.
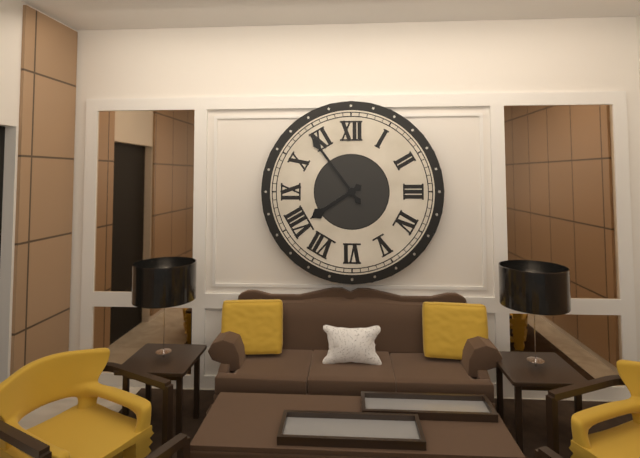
h=7 m=54
